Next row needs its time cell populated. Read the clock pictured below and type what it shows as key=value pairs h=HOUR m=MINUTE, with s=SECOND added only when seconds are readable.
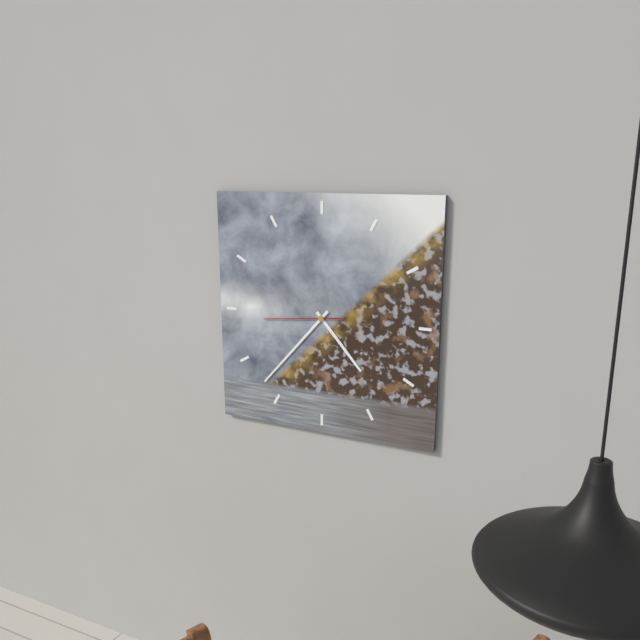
h=4 m=37 s=44
